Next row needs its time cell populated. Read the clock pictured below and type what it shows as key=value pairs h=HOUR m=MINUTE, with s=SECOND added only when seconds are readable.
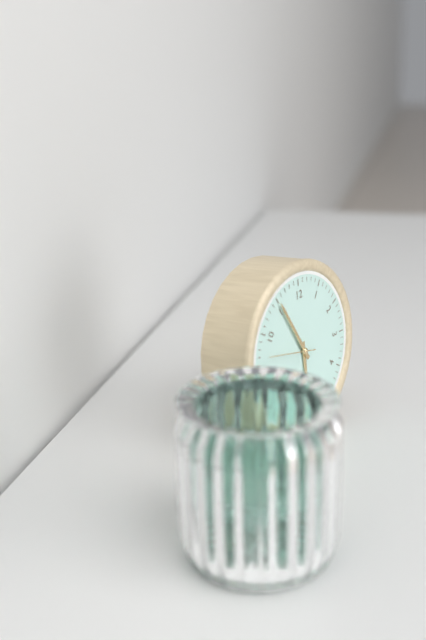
h=5 m=55
